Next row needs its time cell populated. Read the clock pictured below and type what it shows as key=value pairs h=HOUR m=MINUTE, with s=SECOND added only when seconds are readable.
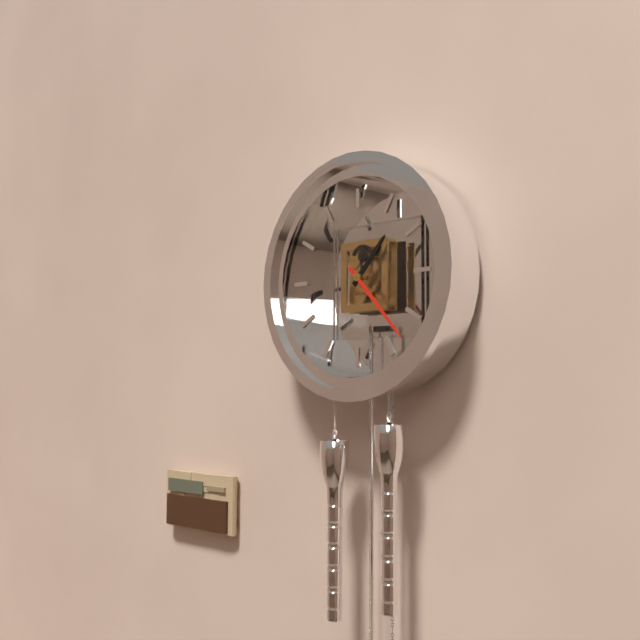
h=1 m=23
